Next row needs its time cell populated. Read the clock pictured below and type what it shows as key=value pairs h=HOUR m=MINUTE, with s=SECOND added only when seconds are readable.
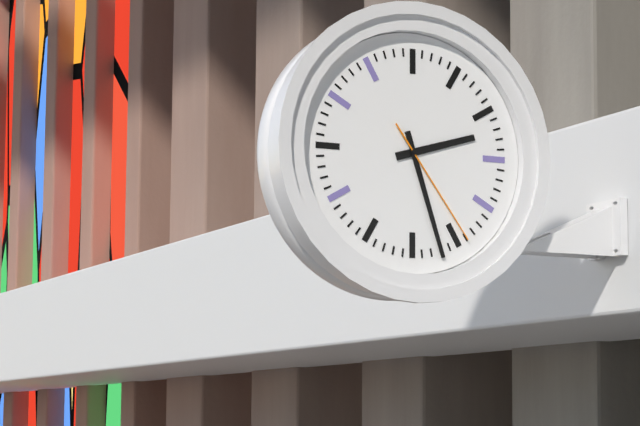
h=2 m=27 s=24
